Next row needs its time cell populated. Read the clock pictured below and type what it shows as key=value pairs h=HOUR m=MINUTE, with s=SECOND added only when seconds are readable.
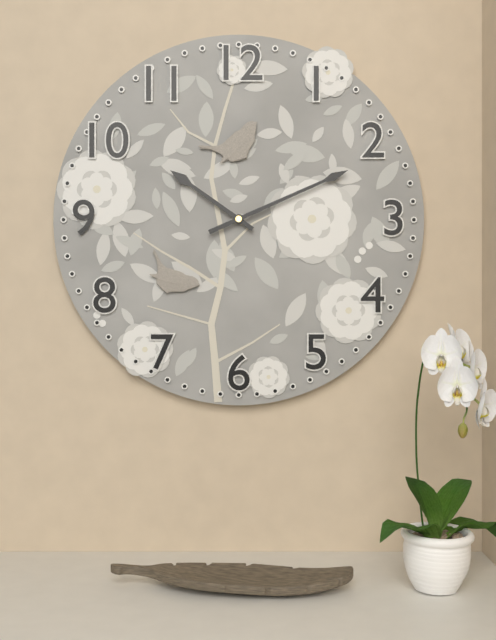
h=10 m=11
